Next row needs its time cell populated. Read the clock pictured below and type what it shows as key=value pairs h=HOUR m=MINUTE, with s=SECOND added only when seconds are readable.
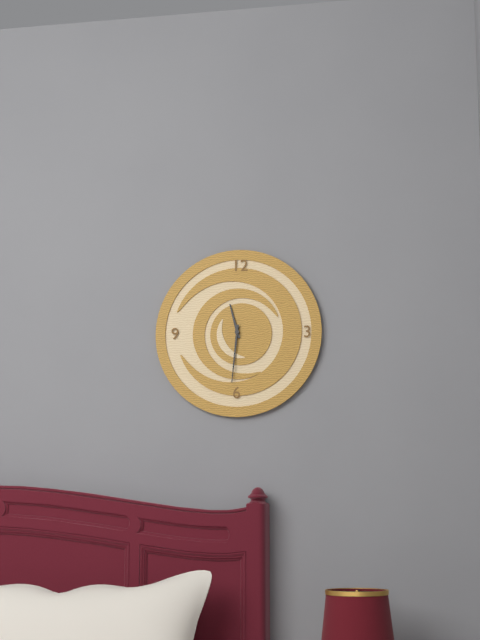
h=11 m=31
